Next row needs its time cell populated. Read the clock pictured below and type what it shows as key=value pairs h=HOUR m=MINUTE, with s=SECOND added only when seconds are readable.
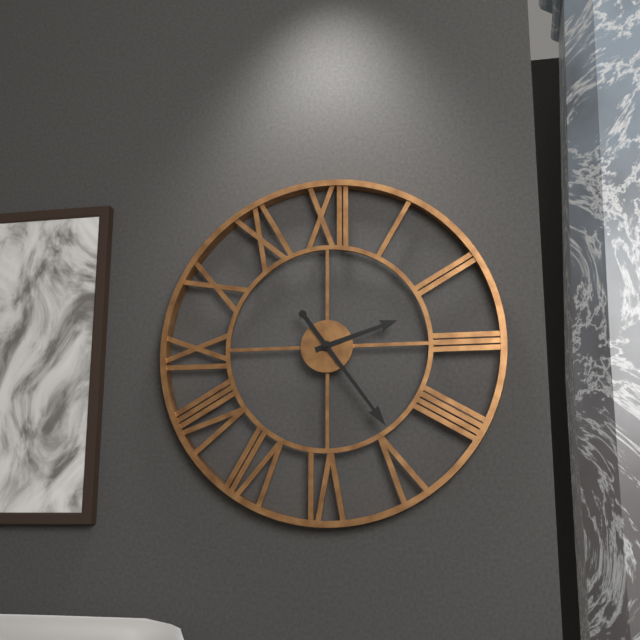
h=2 m=24
